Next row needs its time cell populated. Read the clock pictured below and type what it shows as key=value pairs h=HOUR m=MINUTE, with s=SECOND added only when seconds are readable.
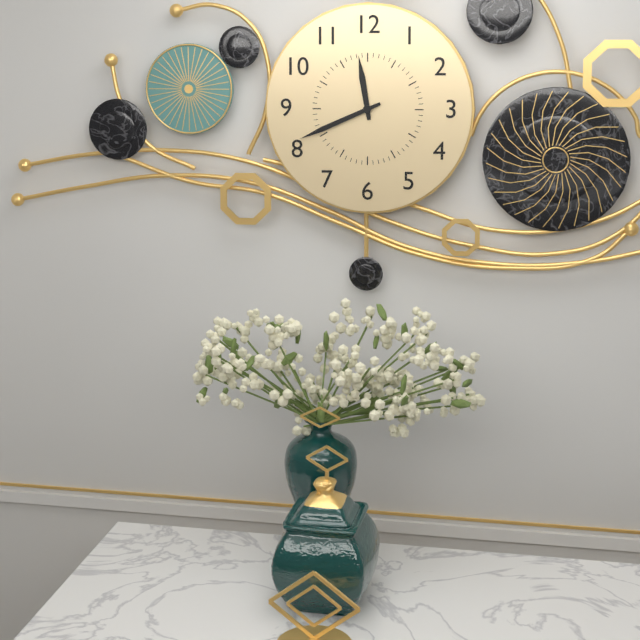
h=11 m=41
